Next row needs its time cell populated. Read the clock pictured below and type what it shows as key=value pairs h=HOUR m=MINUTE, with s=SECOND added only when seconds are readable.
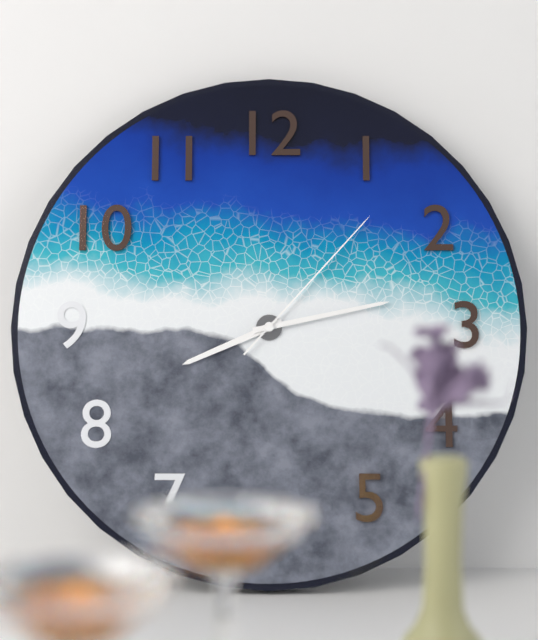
h=8 m=13 s=7
